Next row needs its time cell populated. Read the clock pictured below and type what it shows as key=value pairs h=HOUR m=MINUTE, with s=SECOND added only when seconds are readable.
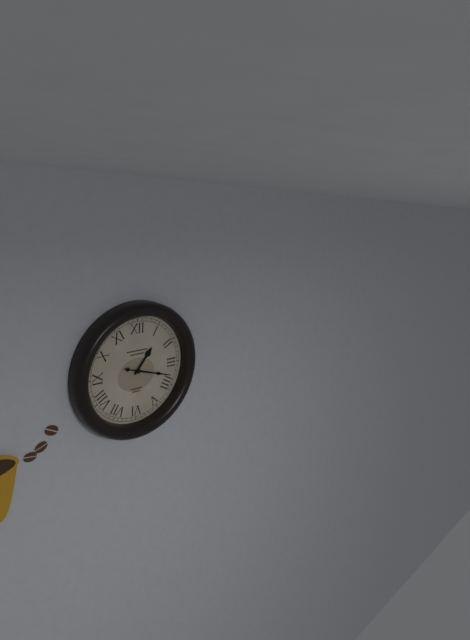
h=1 m=18
